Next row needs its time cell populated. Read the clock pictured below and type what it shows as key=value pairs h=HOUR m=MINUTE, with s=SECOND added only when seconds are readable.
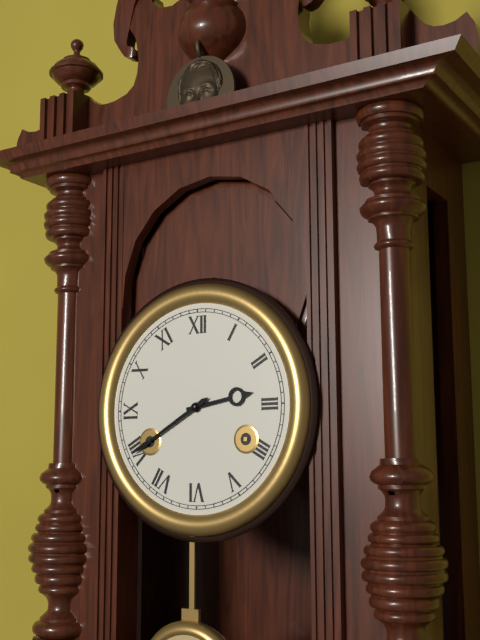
h=2 m=40
